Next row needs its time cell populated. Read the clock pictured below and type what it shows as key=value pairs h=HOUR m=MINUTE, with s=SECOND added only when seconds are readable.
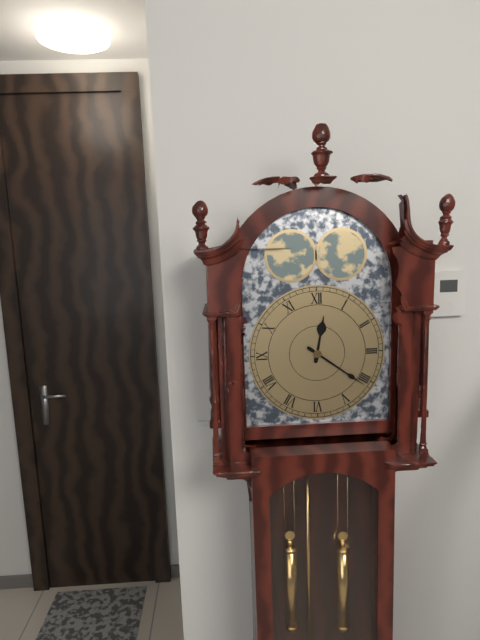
h=12 m=21
